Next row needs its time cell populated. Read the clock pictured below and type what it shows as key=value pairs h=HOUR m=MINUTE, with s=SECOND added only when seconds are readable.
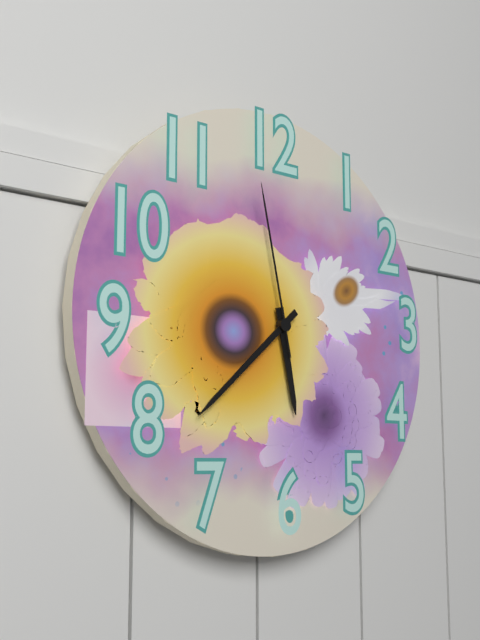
h=5 m=38 s=58
